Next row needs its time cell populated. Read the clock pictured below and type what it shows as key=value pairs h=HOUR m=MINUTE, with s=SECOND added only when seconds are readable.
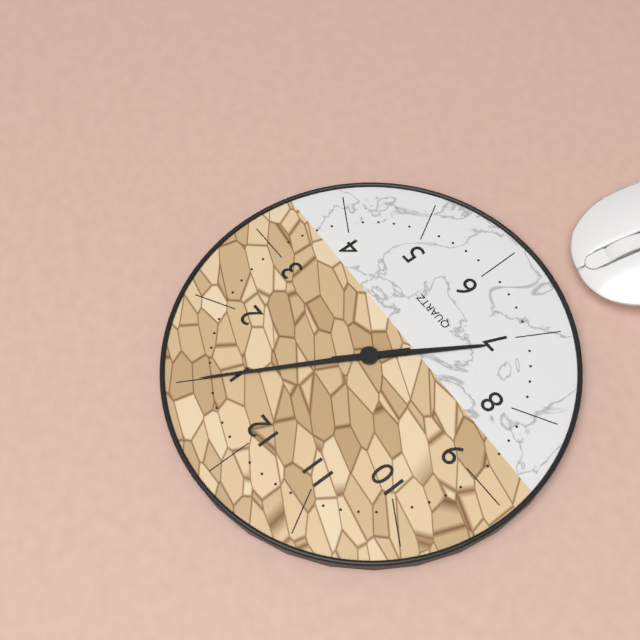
h=7 m=5
